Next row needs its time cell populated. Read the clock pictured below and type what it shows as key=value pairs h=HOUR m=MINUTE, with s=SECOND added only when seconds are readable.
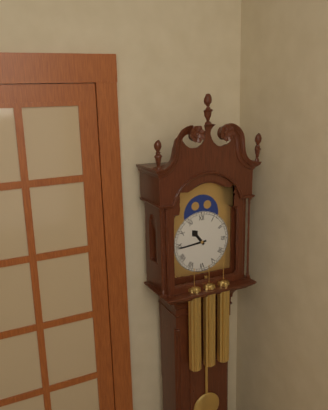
h=10 m=44
